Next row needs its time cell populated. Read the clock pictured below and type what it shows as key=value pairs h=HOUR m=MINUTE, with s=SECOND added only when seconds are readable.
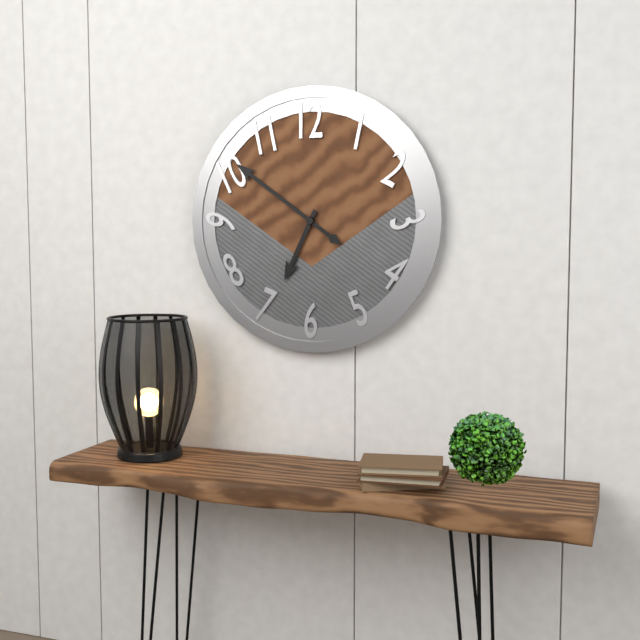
h=6 m=51
